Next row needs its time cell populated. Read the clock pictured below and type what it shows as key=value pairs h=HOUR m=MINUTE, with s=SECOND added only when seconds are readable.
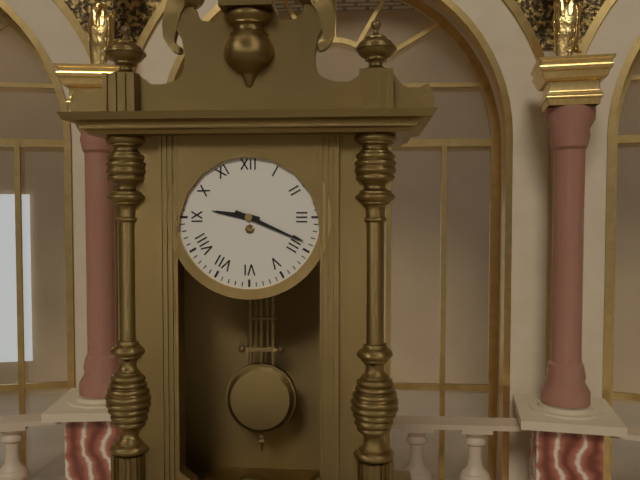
h=9 m=19
